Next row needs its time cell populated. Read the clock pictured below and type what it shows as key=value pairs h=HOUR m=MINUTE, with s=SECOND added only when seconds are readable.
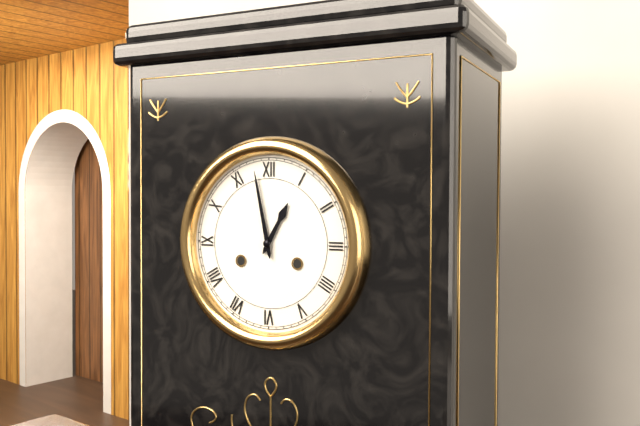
h=12 m=58
